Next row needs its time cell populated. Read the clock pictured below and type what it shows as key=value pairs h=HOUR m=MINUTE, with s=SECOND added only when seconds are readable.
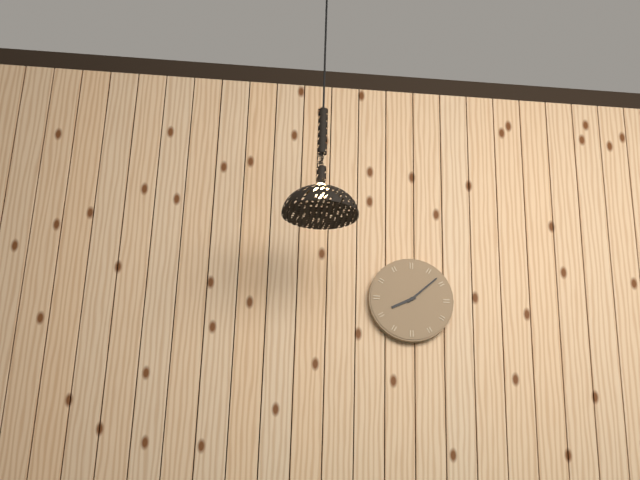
h=8 m=8
